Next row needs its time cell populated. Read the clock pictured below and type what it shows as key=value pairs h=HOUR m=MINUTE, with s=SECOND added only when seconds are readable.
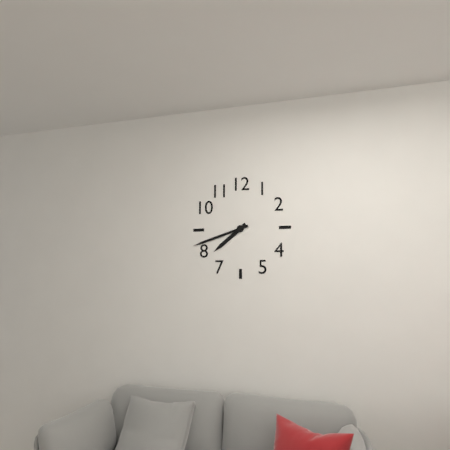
h=7 m=42
